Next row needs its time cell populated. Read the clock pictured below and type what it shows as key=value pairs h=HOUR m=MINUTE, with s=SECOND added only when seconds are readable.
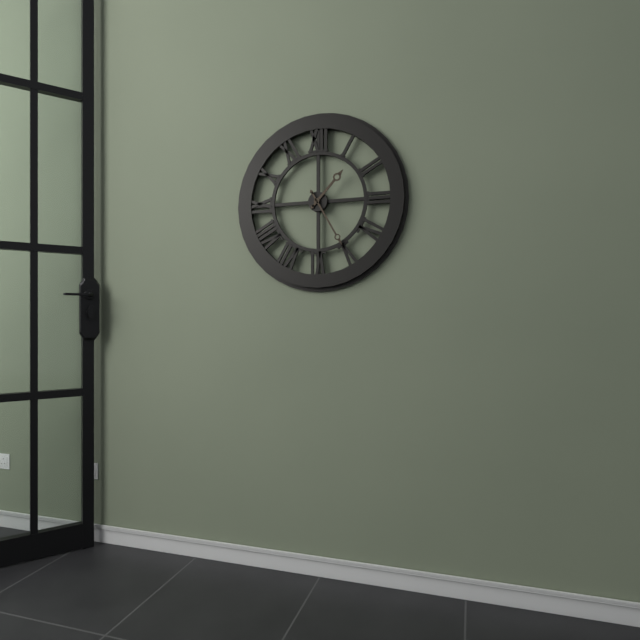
h=1 m=25
